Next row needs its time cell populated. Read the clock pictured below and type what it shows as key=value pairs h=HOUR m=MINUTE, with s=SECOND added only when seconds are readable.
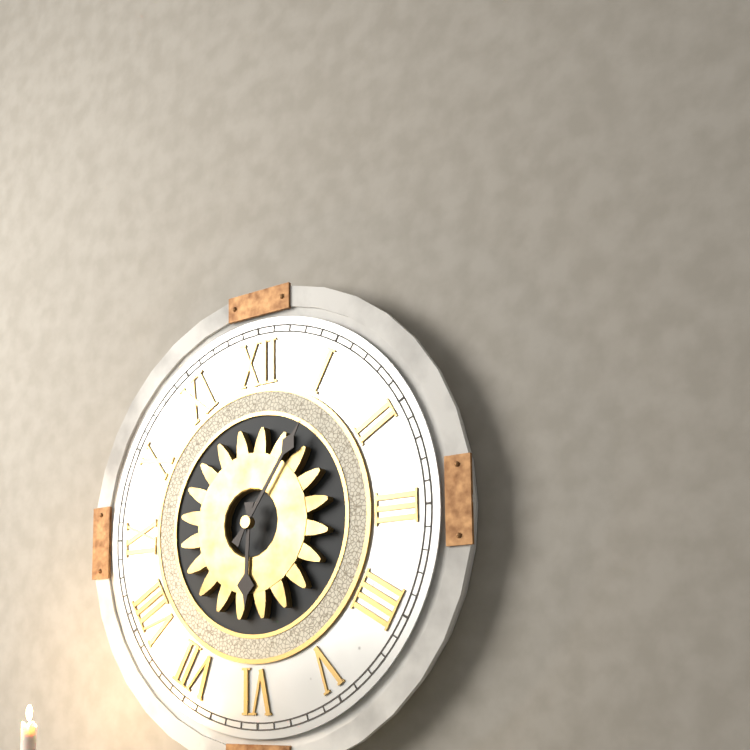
h=6 m=6
